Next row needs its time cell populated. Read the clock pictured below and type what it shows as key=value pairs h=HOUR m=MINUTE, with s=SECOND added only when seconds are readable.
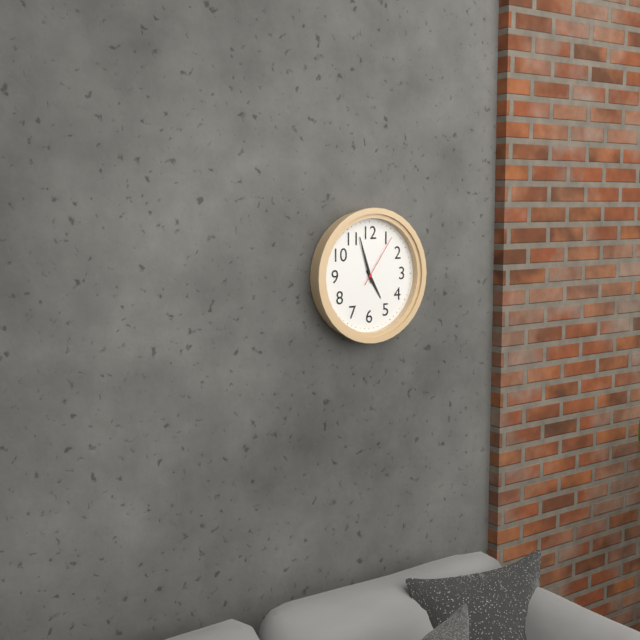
h=4 m=57 s=6
